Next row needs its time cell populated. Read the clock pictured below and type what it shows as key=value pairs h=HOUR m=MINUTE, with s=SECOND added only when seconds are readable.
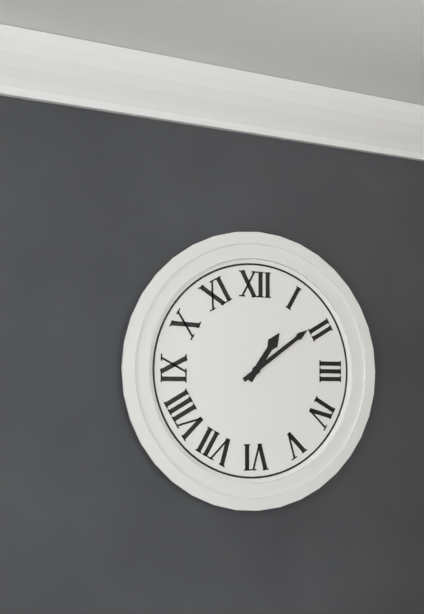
h=1 m=9
